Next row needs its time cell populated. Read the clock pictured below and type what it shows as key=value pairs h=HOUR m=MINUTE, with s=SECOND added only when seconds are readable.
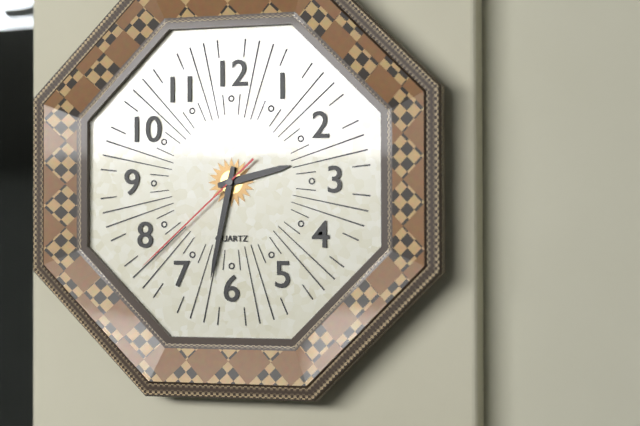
h=2 m=32 s=38
